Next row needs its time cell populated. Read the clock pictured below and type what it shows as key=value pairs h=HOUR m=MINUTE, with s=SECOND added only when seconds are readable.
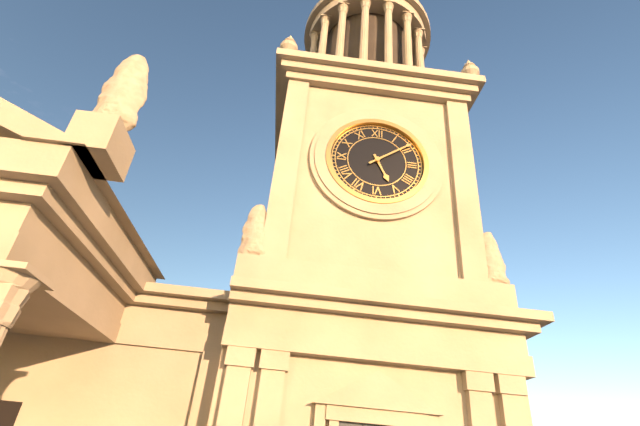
h=5 m=9
